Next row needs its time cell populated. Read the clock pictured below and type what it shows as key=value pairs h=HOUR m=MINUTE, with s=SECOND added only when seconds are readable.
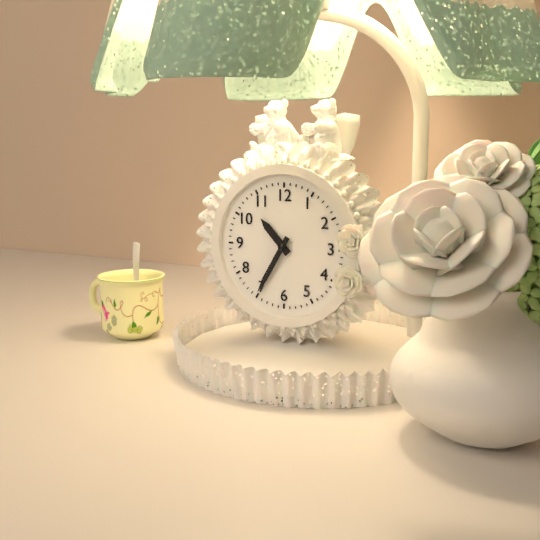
h=10 m=35
